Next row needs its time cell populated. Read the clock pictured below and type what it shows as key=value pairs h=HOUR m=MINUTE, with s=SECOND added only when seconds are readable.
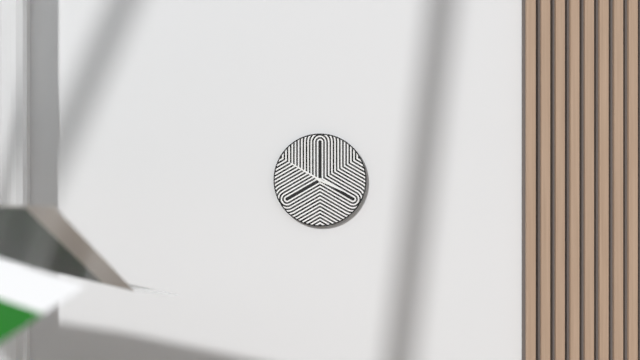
h=3 m=50
